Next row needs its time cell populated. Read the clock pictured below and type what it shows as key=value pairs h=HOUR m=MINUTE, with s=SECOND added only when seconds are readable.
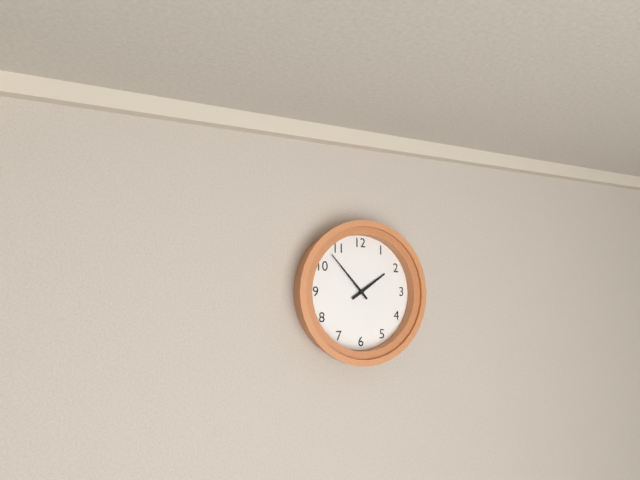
h=1 m=53
